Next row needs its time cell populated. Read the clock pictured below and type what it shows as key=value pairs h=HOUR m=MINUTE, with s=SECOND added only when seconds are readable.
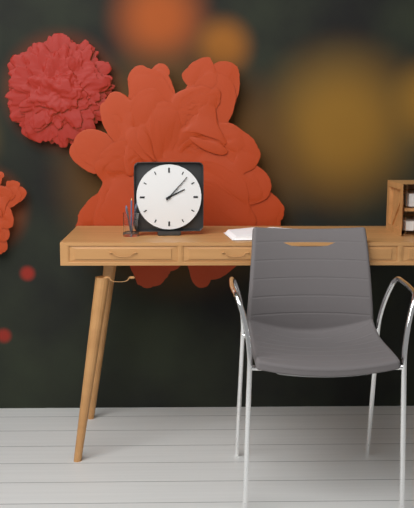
h=2 m=7
